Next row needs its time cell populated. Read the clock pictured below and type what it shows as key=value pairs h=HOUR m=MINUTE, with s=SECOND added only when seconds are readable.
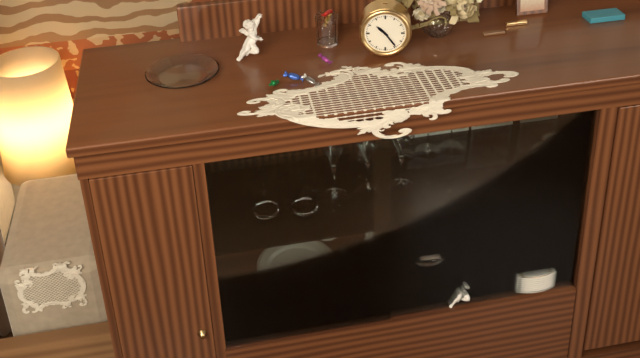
h=10 m=24
